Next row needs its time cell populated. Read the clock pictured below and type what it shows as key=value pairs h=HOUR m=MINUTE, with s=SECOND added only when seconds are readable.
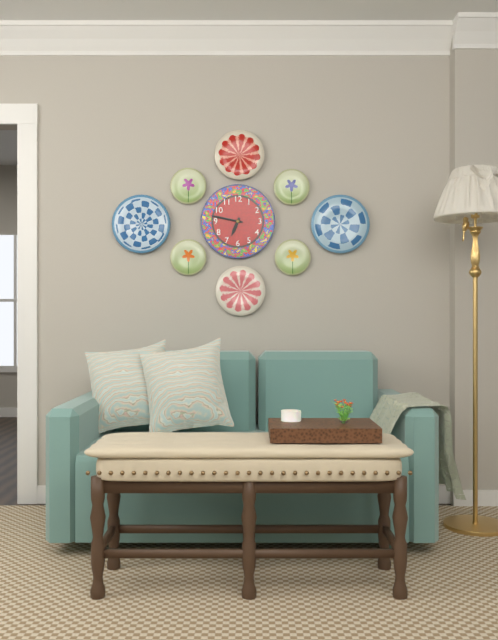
h=6 m=47
